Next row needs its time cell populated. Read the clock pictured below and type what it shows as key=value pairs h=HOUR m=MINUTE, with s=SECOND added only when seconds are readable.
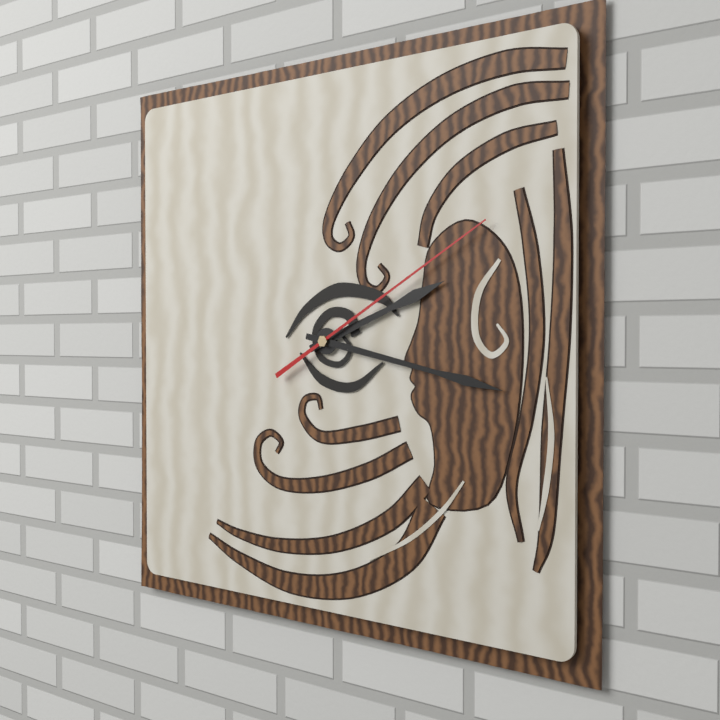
h=2 m=17 s=10
